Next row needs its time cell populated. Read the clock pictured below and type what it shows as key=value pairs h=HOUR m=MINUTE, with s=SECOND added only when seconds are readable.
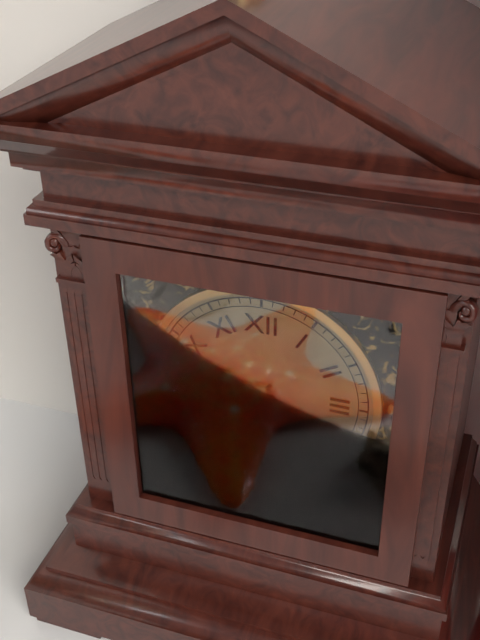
h=9 m=37 s=20
